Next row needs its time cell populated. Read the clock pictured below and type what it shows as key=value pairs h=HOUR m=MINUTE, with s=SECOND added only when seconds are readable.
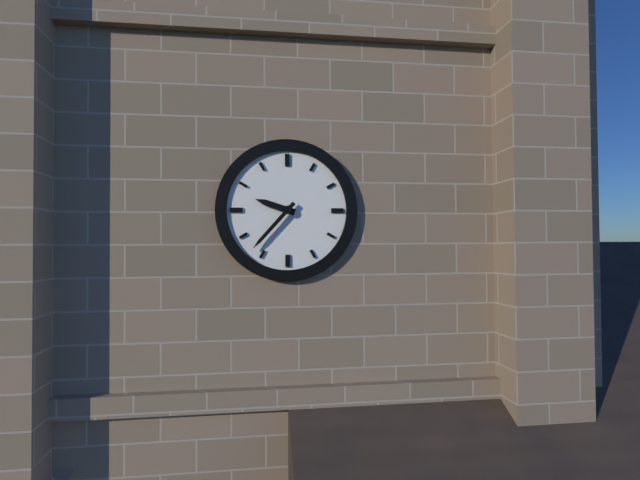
h=9 m=37
